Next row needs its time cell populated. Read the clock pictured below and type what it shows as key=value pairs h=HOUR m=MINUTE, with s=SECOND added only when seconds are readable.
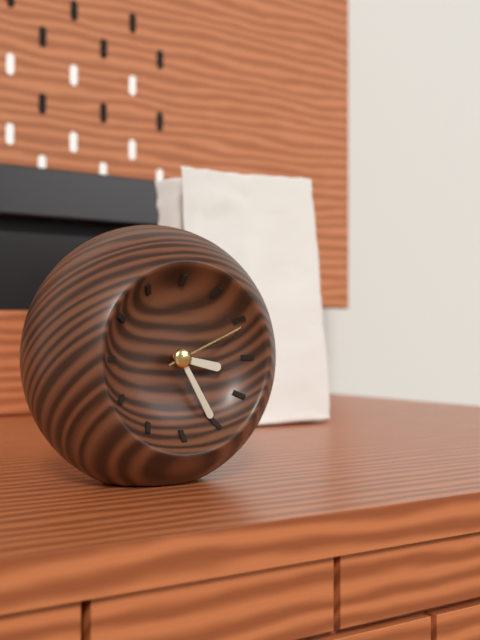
h=3 m=25 s=11
